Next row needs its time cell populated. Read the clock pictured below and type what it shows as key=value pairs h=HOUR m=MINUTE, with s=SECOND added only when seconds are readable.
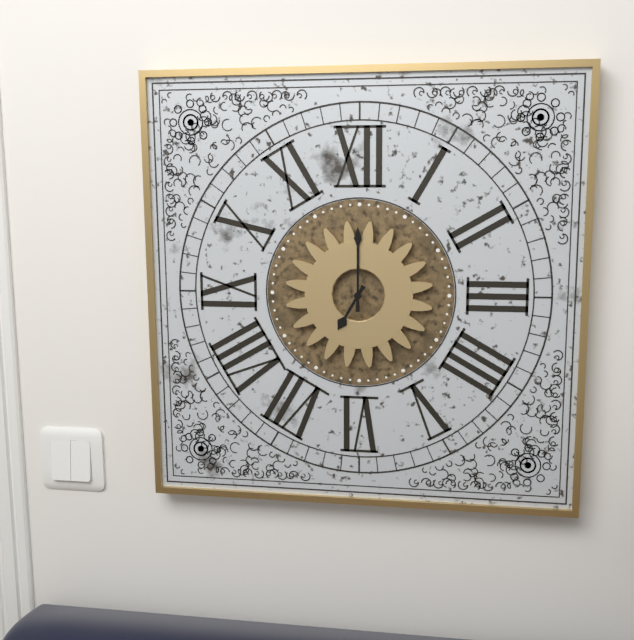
h=7 m=0
